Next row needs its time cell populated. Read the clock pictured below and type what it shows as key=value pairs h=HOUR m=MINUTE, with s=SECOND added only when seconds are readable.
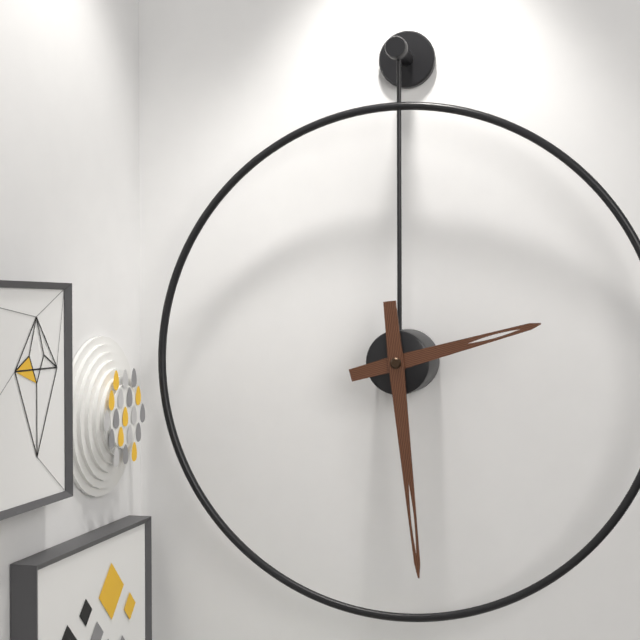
h=2 m=29
